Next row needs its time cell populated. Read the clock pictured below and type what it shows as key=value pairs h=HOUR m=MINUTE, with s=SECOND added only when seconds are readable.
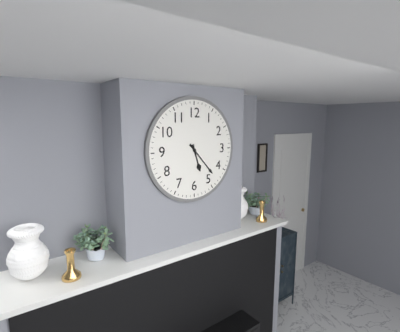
h=5 m=23
